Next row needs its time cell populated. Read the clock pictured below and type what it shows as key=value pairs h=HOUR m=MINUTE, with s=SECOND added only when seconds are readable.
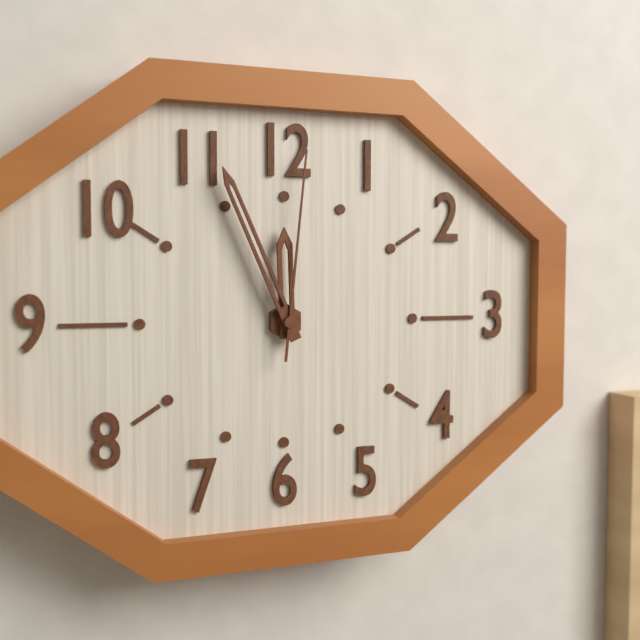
h=11 m=56 s=1
